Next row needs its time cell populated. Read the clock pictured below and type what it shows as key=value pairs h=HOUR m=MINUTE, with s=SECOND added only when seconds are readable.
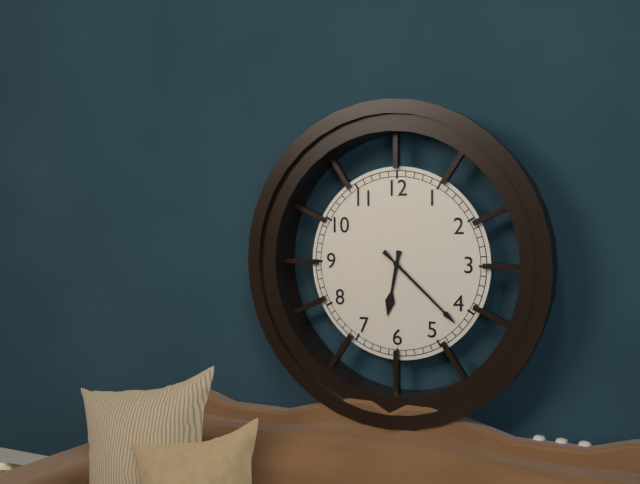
h=6 m=22
